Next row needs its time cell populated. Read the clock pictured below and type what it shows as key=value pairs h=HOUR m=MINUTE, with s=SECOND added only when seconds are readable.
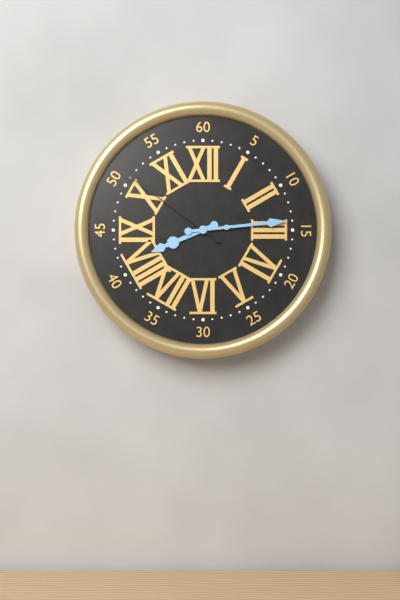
h=8 m=14 s=51
